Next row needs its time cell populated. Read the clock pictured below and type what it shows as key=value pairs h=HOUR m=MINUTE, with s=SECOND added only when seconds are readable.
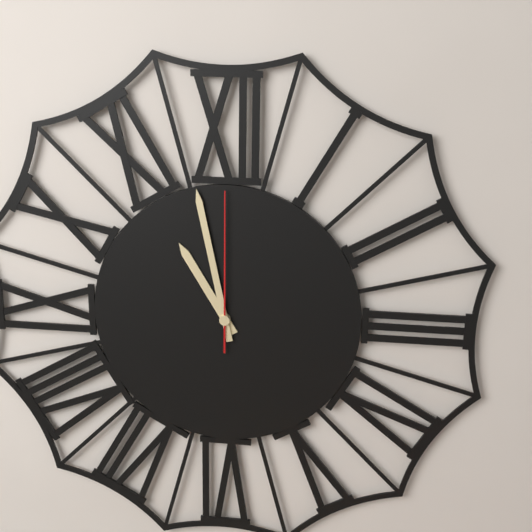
h=10 m=58 s=0
